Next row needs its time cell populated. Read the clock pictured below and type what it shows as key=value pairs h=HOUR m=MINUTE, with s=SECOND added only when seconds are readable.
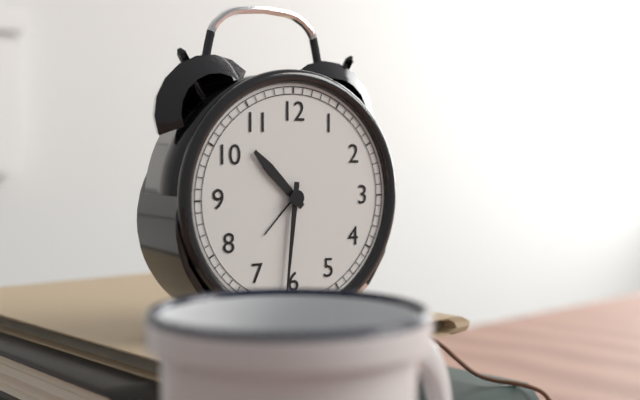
h=10 m=31
